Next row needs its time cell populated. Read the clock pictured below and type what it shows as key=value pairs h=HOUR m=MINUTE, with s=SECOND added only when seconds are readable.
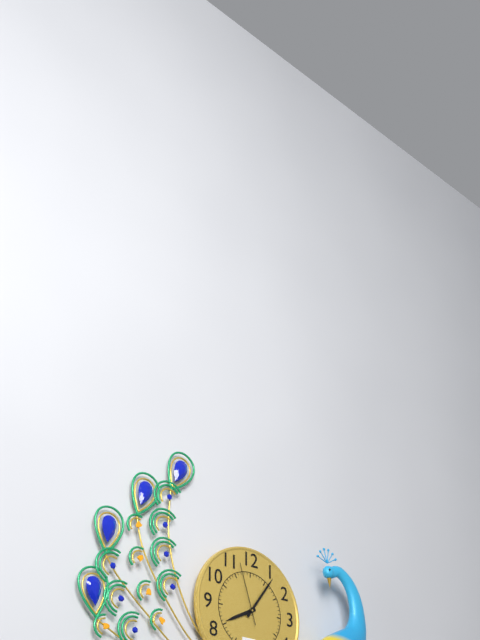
h=8 m=6 s=57
